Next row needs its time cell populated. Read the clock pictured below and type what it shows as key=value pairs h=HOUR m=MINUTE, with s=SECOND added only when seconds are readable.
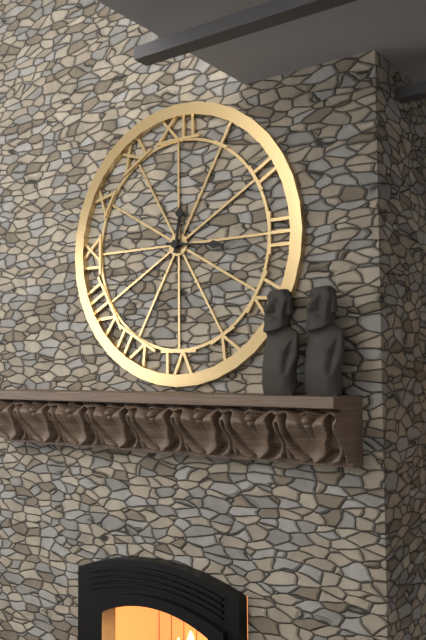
h=12 m=16
